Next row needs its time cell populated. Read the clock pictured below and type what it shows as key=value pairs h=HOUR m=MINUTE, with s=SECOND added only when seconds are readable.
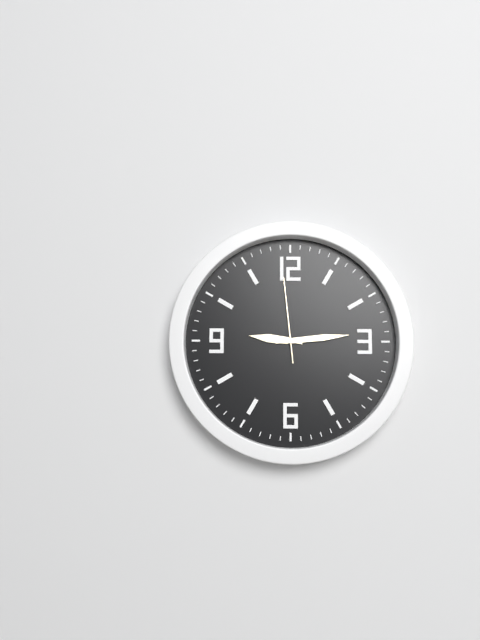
h=9 m=14 s=59
